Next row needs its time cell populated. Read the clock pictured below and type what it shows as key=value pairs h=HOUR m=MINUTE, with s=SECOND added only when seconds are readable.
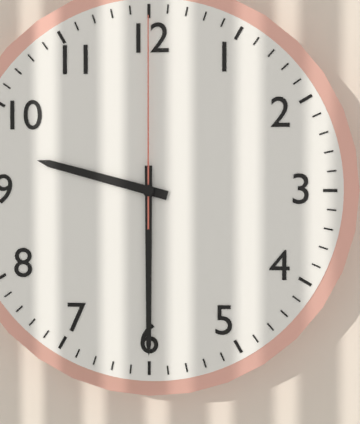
h=9 m=30 s=0
